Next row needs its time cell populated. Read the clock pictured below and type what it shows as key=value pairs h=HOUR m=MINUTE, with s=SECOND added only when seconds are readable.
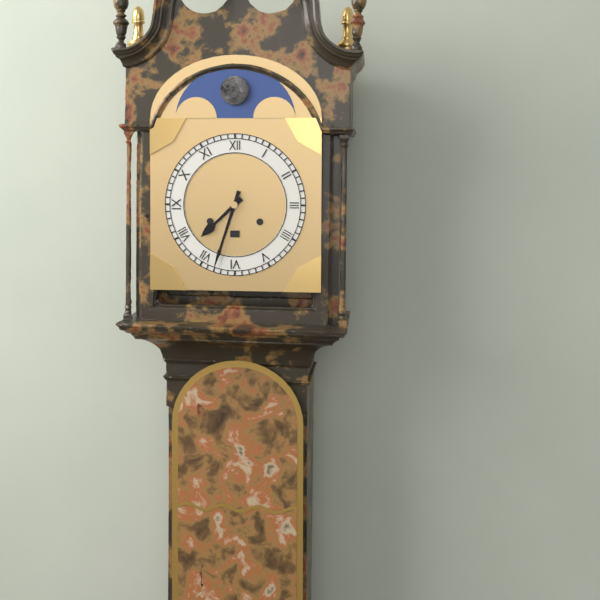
h=7 m=33
